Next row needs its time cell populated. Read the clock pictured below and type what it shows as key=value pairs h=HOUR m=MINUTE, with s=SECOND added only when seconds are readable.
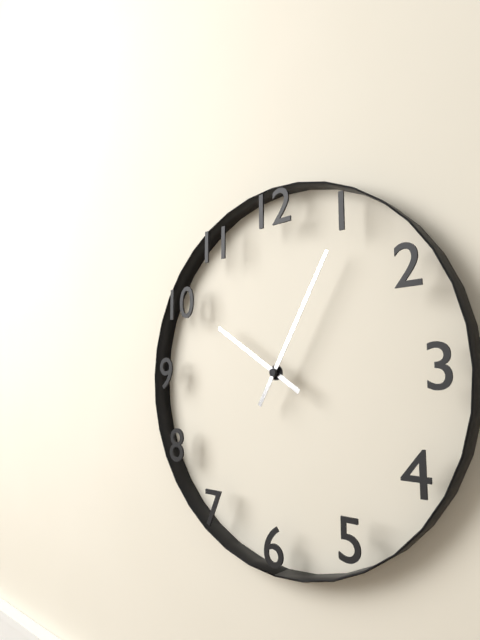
h=10 m=5
